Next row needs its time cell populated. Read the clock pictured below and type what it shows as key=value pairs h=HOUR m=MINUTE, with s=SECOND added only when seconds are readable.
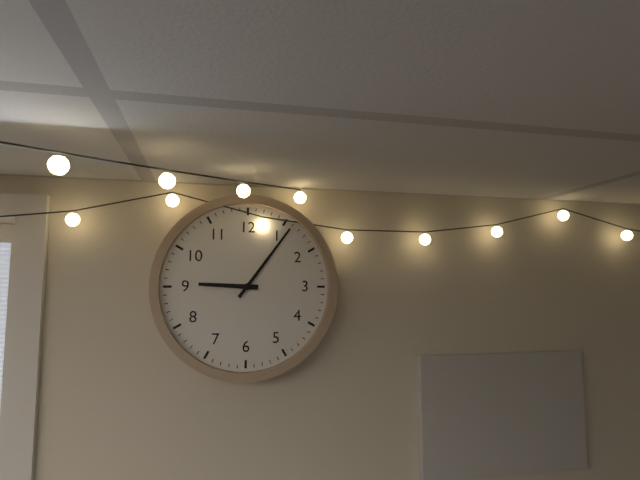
h=9 m=6
